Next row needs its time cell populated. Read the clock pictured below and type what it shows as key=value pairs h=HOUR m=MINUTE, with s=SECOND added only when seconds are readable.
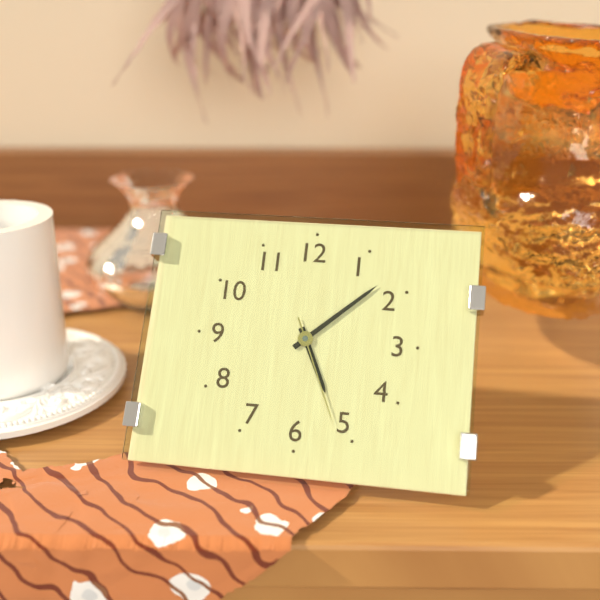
h=5 m=8 s=26
